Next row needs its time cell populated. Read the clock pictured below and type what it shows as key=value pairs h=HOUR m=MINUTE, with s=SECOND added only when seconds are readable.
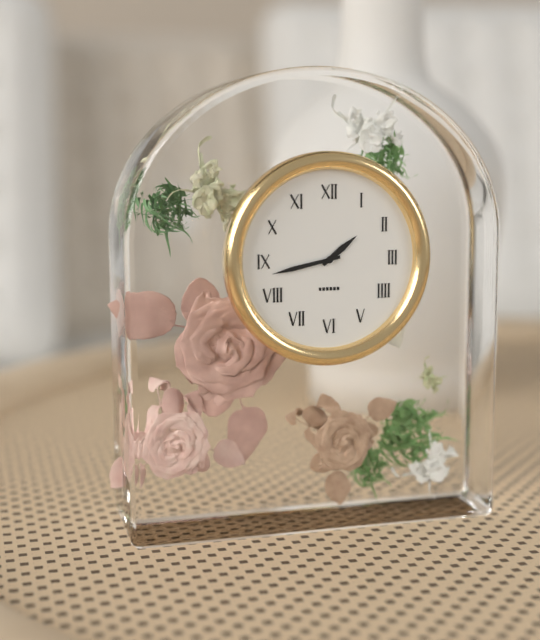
h=1 m=43
